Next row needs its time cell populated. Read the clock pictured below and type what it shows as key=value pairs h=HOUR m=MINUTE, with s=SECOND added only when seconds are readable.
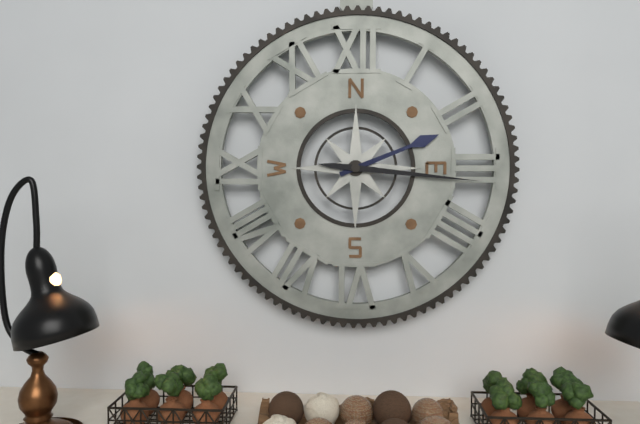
h=2 m=16
